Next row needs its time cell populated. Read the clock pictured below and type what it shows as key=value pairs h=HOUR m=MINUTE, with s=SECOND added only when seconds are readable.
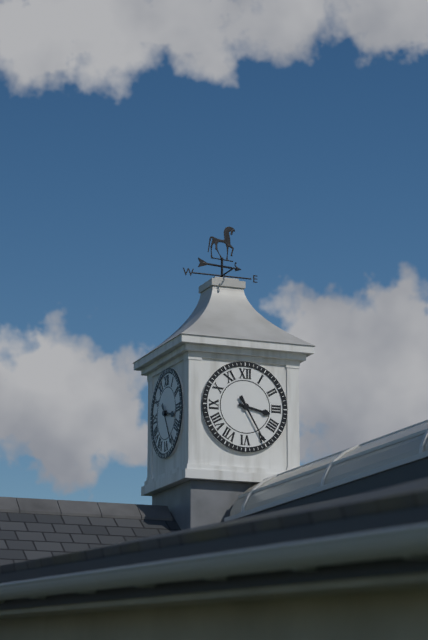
h=3 m=25
